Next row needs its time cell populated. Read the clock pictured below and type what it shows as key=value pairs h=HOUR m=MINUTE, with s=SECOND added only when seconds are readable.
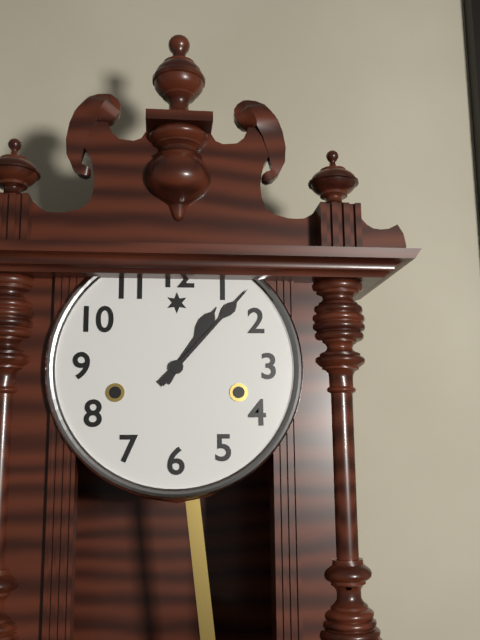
h=1 m=7
